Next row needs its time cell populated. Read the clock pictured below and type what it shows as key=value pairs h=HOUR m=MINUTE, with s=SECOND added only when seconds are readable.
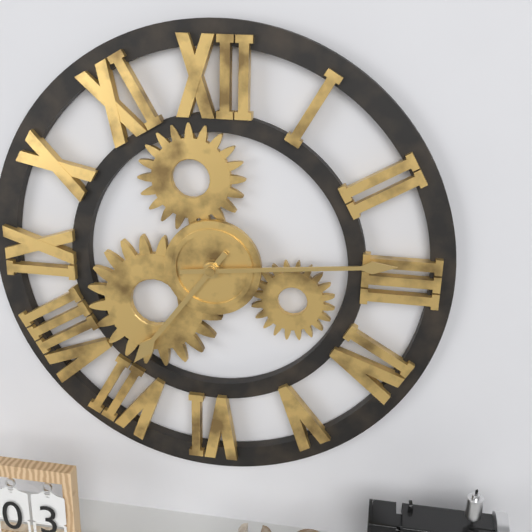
h=7 m=14
